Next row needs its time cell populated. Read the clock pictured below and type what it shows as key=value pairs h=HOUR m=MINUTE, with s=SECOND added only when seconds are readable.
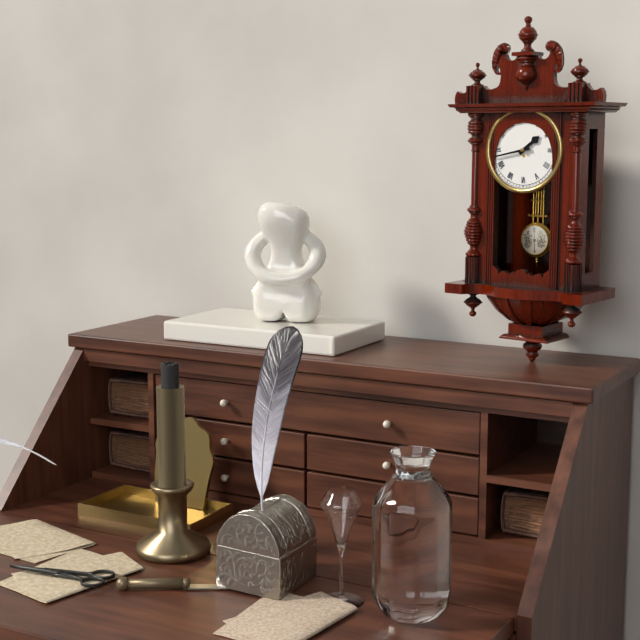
h=1 m=43
